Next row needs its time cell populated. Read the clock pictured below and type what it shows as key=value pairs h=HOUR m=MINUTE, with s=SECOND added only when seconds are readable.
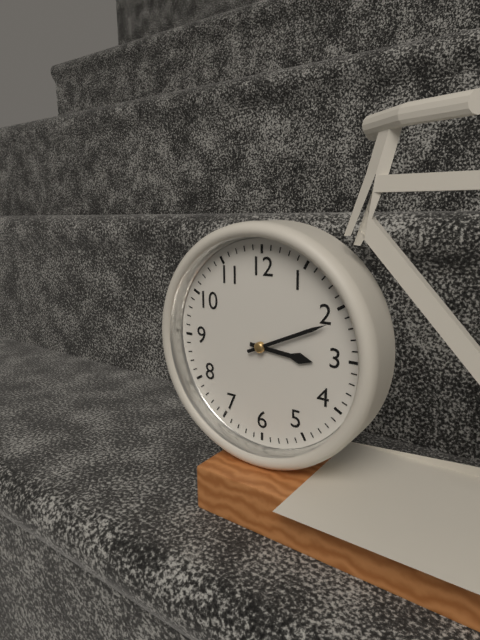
h=3 m=11
